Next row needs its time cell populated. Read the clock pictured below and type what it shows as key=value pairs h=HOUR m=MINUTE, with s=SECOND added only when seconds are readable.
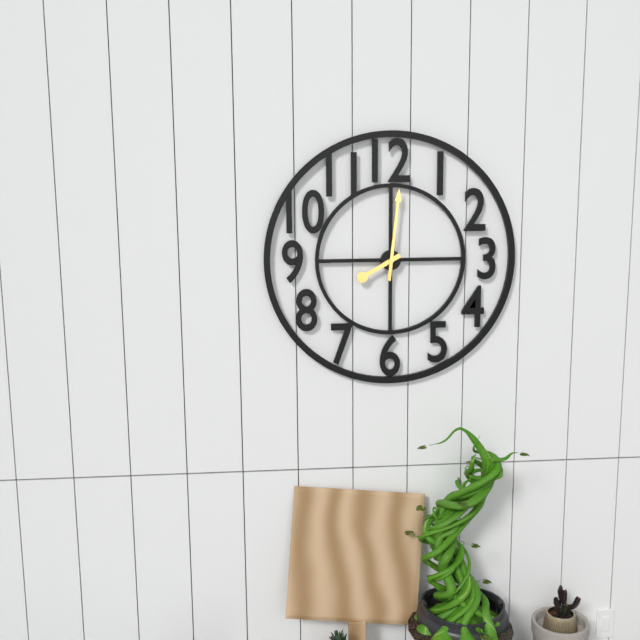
h=8 m=1
